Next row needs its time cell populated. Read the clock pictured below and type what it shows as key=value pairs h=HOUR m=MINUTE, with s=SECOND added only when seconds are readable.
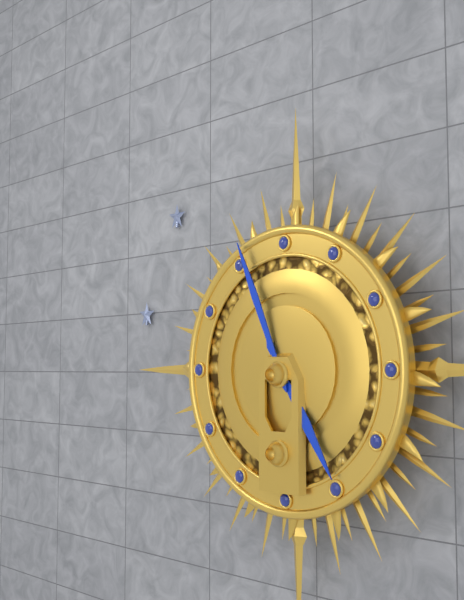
h=4 m=56
